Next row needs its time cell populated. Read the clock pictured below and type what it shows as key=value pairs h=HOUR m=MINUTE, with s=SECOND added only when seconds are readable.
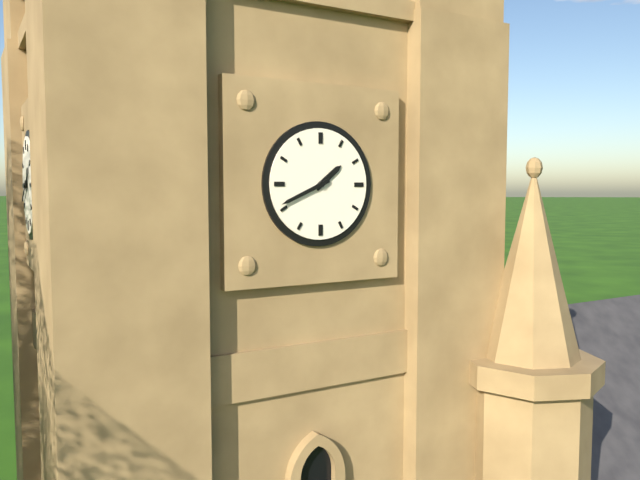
h=1 m=41
